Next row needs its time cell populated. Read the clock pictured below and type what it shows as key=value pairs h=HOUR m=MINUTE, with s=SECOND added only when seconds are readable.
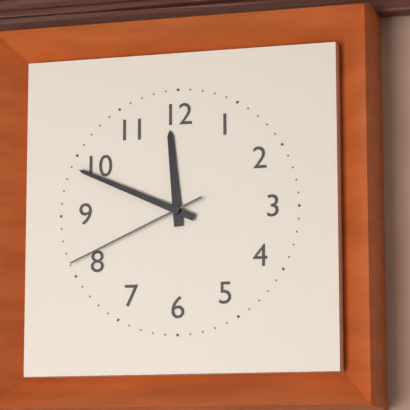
h=11 m=49 s=41
